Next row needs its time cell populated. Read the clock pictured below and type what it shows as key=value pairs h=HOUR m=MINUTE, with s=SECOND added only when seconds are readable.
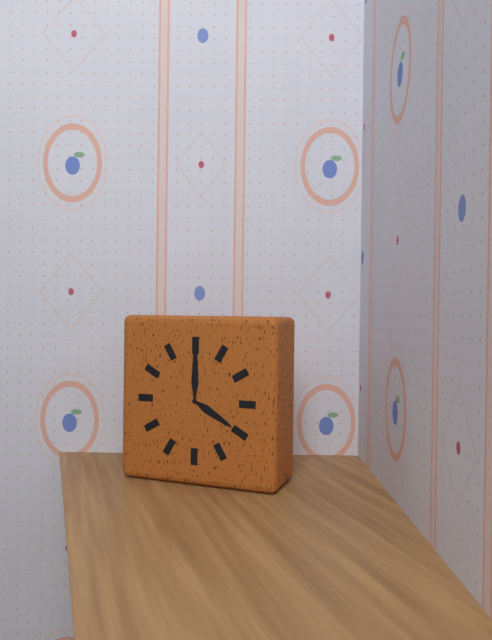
h=4 m=0
